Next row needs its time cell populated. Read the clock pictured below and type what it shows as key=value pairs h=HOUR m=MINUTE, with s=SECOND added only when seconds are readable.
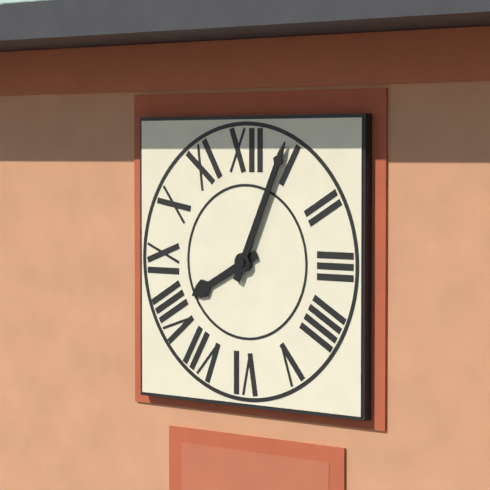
h=8 m=4
